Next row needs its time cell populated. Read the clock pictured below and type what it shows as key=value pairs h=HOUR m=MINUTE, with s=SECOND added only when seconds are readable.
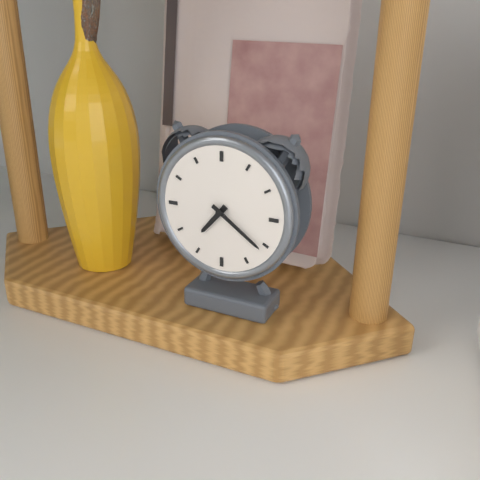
h=7 m=21
